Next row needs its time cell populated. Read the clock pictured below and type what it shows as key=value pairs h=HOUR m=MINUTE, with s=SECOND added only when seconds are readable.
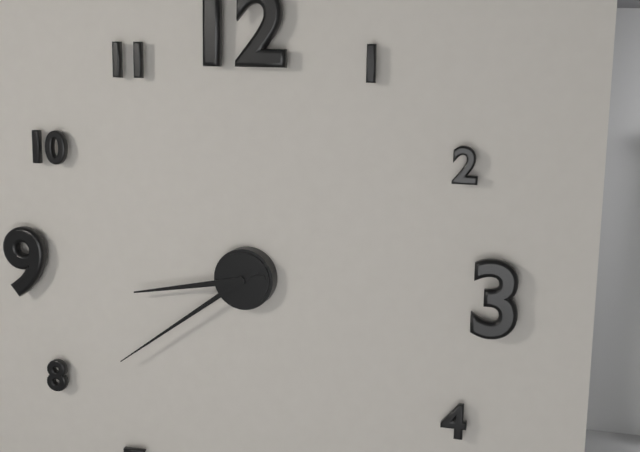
h=8 m=39
